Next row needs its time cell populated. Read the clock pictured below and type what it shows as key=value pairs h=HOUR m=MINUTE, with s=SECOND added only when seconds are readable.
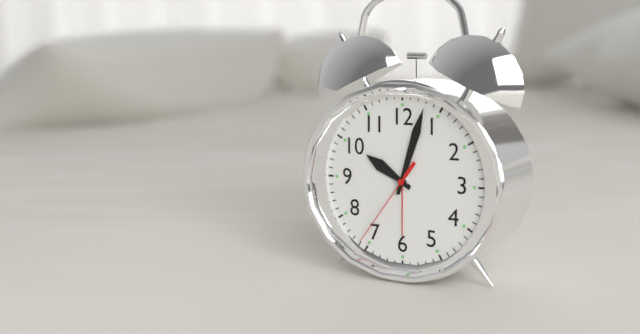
h=10 m=3 s=36
